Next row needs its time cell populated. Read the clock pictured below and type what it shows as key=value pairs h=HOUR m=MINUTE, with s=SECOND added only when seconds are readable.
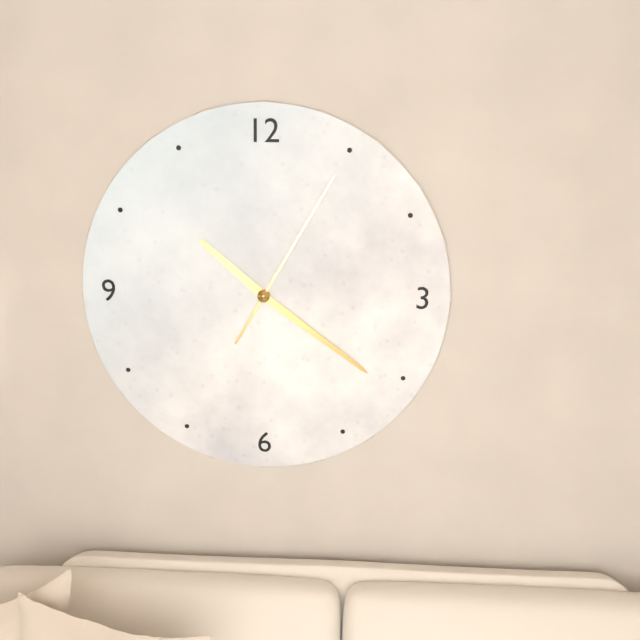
h=10 m=21 s=5
